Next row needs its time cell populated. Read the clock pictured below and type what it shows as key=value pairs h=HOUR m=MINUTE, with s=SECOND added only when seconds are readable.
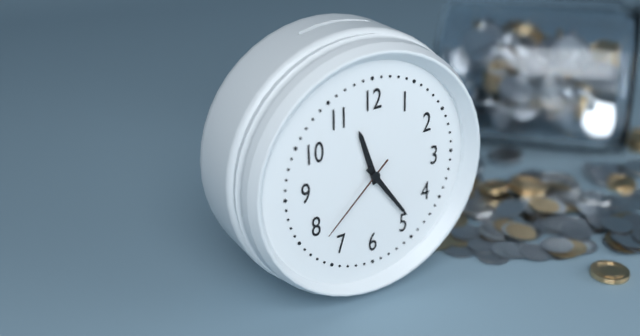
h=11 m=24 s=38
